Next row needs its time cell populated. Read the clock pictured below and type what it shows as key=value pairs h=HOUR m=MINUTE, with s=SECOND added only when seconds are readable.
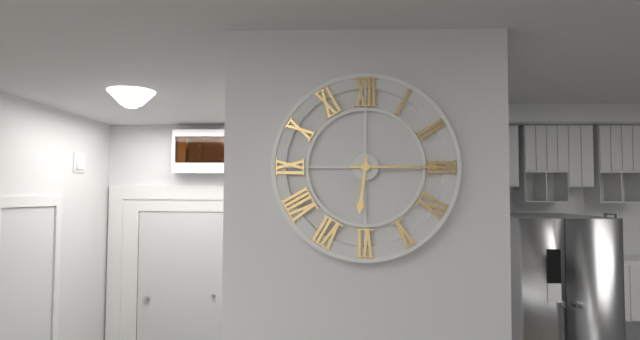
h=6 m=15
